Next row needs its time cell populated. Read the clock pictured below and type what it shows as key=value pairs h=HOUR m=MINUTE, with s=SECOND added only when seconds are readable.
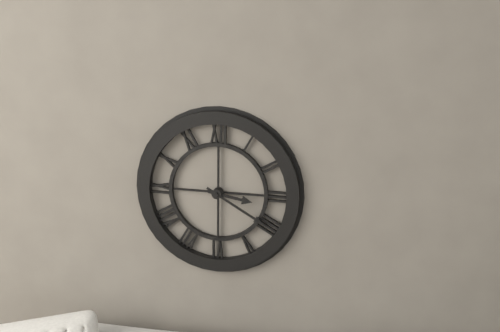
h=3 m=20
